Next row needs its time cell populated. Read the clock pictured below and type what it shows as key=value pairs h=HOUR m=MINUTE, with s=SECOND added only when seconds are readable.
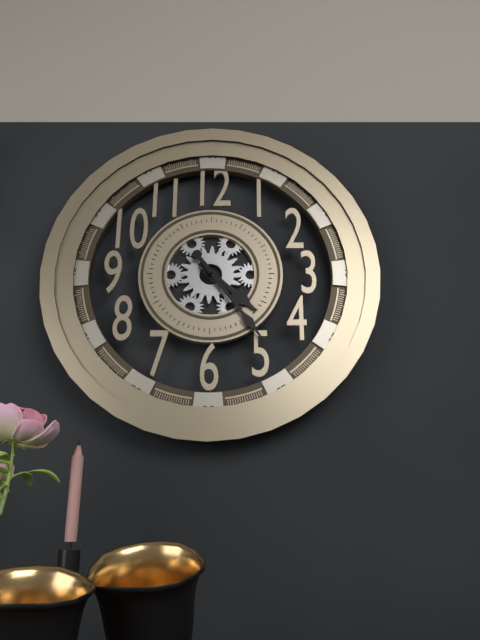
h=4 m=24
